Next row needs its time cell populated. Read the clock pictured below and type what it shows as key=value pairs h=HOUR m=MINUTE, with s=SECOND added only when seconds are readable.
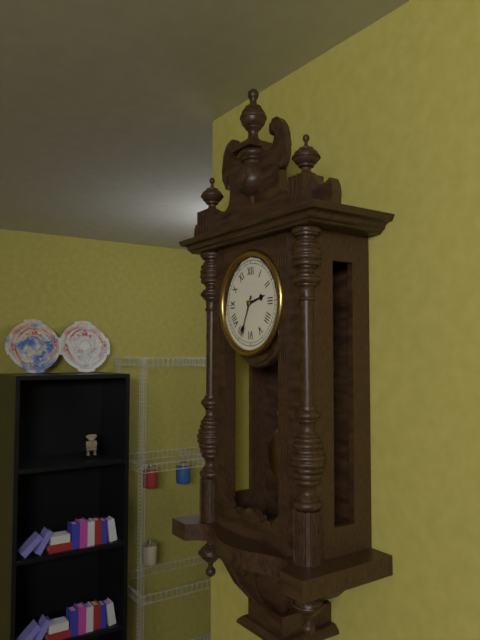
h=2 m=34
